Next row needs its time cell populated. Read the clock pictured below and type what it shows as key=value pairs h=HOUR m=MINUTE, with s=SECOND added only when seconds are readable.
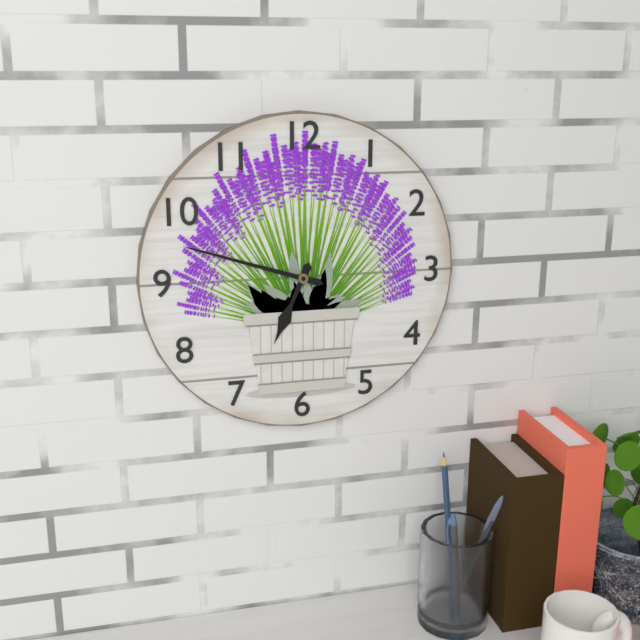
h=6 m=48
